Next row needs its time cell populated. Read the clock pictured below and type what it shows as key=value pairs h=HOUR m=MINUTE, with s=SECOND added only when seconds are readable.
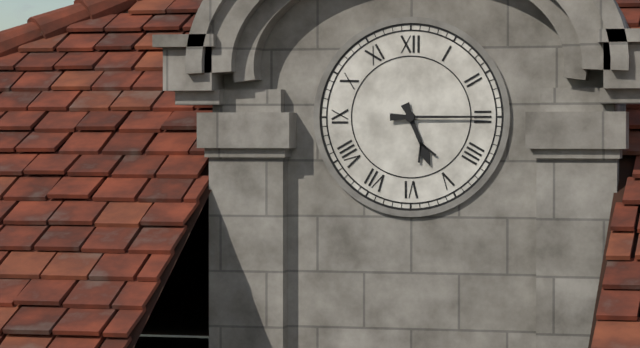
h=5 m=15
